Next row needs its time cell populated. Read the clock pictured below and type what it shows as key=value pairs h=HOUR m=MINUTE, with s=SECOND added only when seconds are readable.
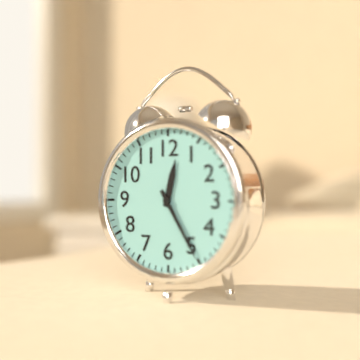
h=12 m=25
